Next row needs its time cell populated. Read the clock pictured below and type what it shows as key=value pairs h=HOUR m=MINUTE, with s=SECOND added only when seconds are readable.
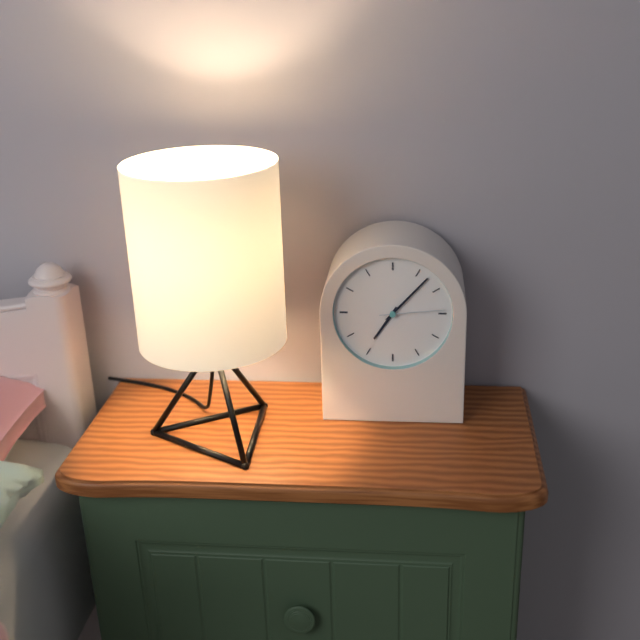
h=7 m=7 s=14
